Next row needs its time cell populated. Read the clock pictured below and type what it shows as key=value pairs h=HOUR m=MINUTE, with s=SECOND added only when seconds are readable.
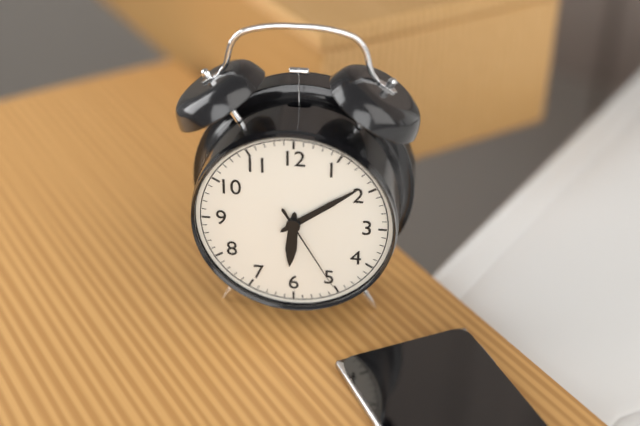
h=6 m=9 s=25
